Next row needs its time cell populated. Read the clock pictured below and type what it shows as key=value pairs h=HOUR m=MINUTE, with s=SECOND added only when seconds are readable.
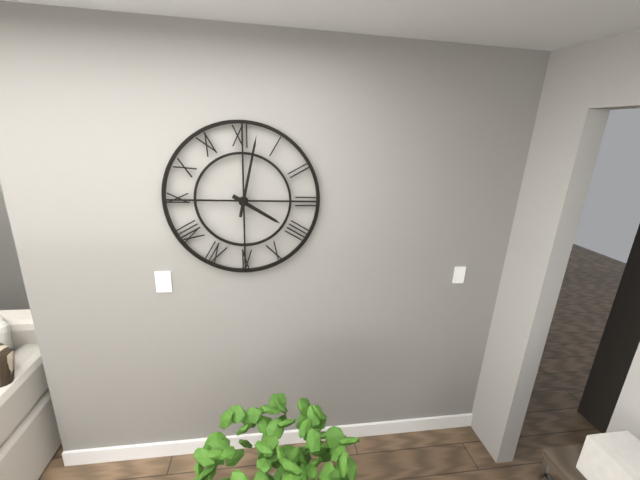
h=4 m=2
